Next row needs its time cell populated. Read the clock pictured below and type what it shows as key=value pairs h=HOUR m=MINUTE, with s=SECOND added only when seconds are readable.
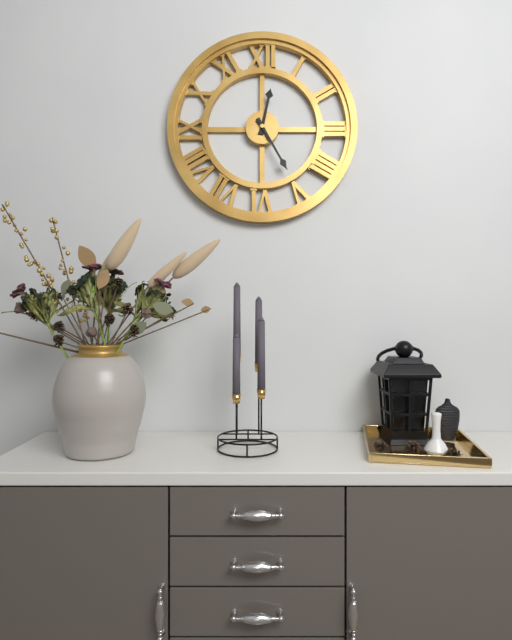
h=12 m=25
